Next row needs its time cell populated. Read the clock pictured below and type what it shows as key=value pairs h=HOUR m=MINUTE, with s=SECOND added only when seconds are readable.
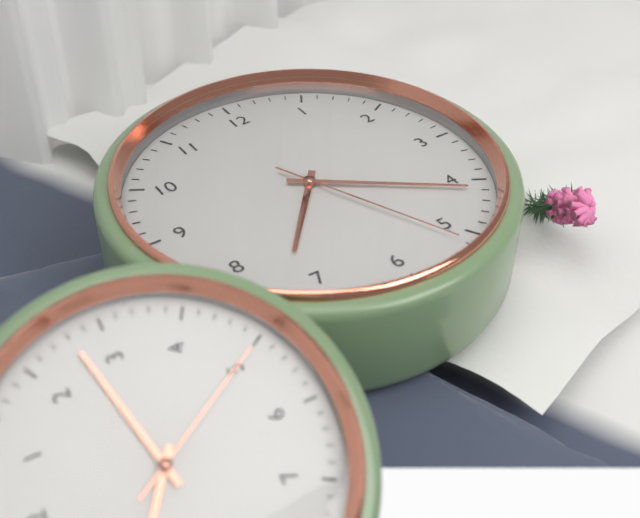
h=7 m=21 s=26
